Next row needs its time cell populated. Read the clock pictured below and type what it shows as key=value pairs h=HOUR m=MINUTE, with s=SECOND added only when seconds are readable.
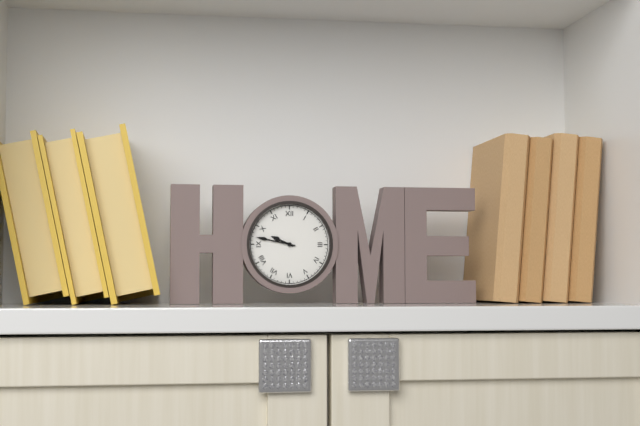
h=9 m=47
